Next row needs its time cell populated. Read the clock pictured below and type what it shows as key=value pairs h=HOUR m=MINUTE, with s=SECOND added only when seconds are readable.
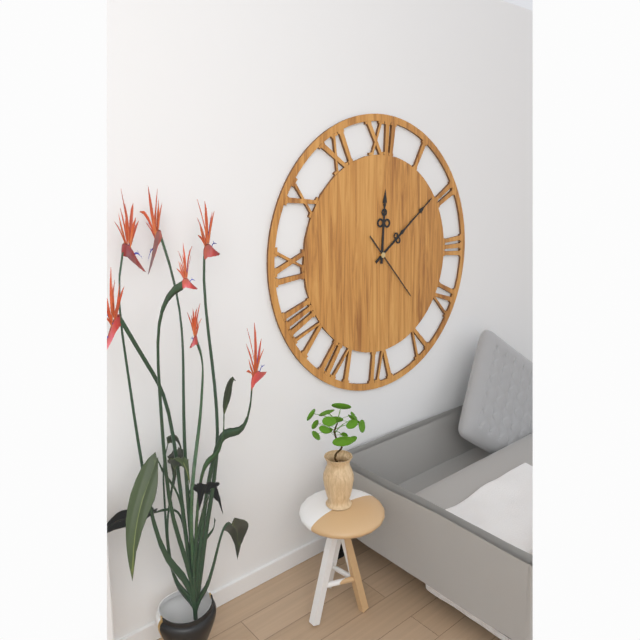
h=12 m=9 s=23
